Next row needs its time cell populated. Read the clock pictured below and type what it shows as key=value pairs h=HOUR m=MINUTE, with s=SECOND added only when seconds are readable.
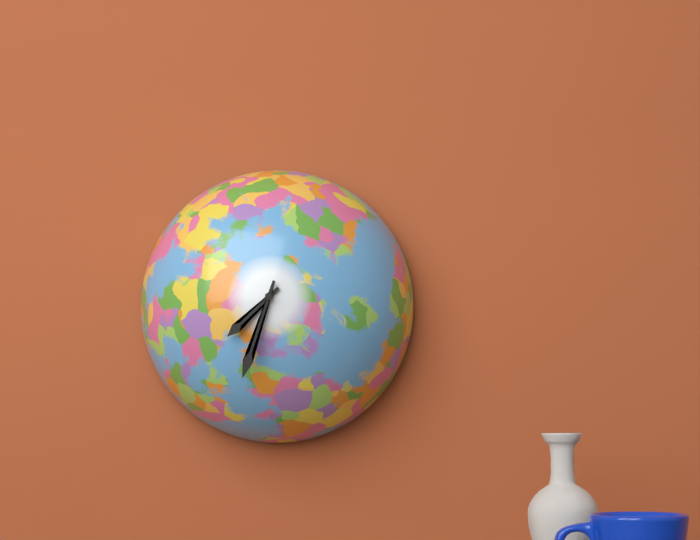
h=7 m=33
